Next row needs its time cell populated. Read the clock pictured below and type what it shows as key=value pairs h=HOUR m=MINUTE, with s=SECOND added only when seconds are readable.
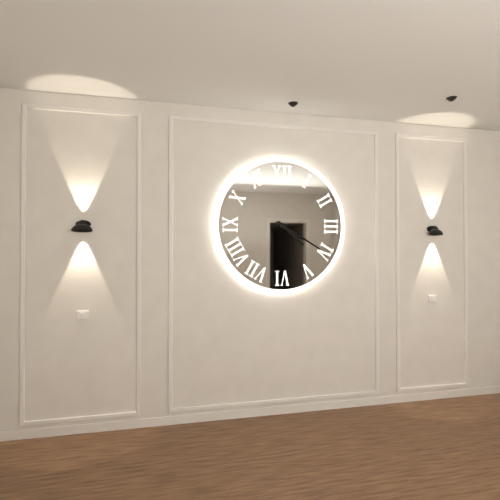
h=4 m=20
